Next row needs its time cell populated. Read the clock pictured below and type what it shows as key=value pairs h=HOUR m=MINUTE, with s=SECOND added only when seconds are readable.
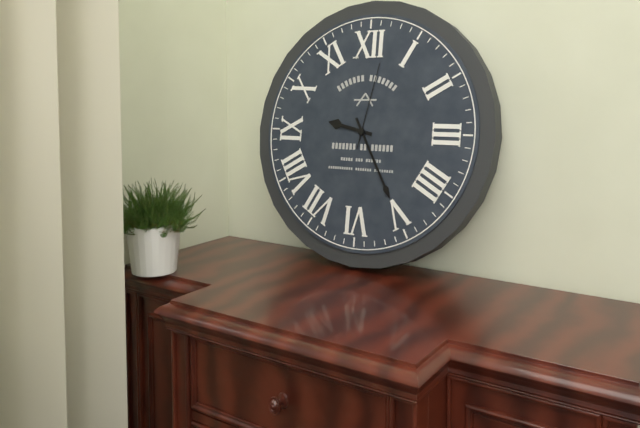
h=9 m=25 s=2
